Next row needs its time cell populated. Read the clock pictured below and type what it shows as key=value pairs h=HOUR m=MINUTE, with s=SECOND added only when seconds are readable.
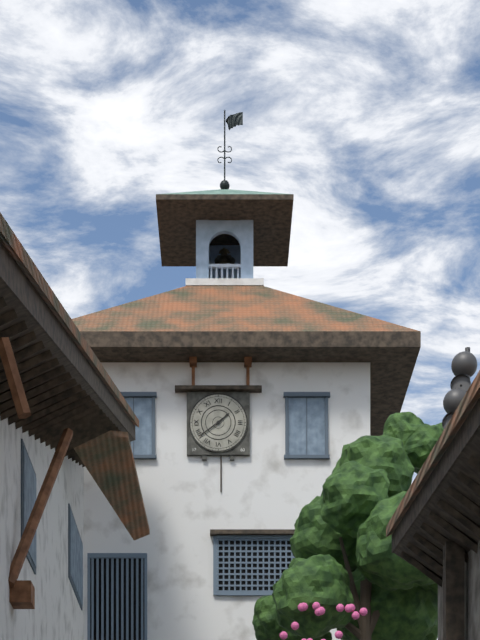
h=1 m=39
